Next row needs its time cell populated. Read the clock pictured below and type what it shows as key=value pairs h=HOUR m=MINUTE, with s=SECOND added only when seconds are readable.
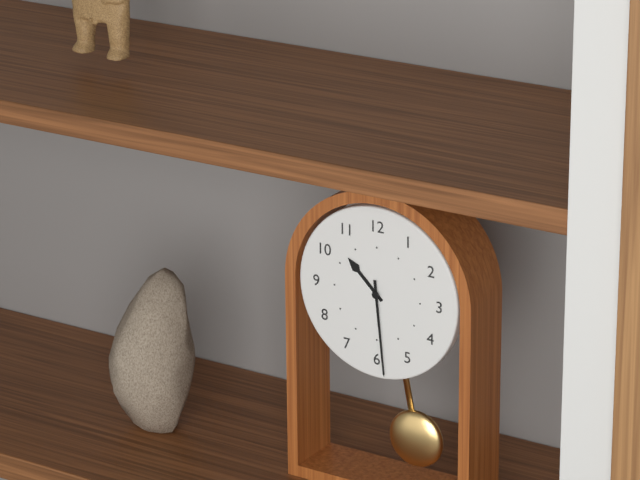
h=10 m=29
